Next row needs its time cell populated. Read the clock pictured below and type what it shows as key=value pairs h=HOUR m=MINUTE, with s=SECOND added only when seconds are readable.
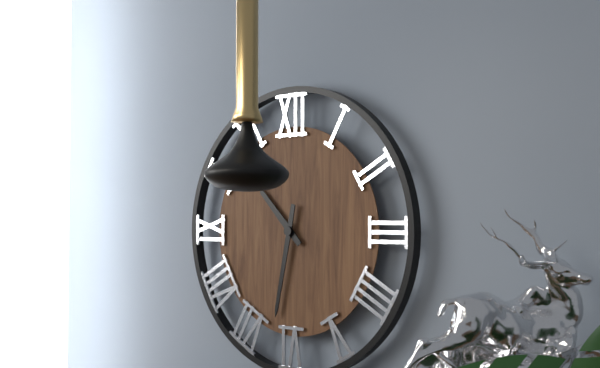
h=10 m=32
